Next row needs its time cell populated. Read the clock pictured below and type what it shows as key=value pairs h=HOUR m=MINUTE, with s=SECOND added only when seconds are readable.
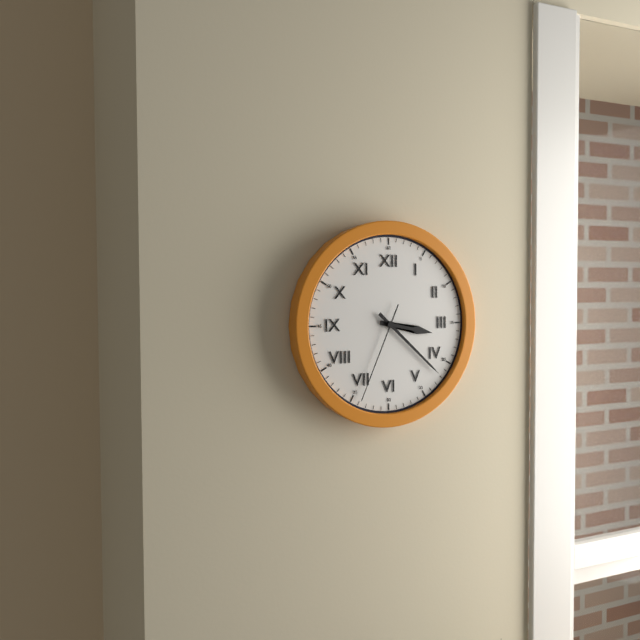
h=3 m=22 s=34
